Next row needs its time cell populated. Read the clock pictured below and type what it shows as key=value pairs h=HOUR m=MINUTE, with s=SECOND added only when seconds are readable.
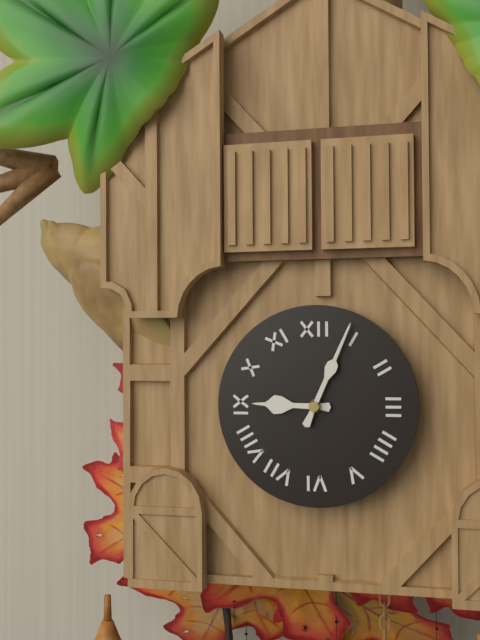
h=9 m=4
